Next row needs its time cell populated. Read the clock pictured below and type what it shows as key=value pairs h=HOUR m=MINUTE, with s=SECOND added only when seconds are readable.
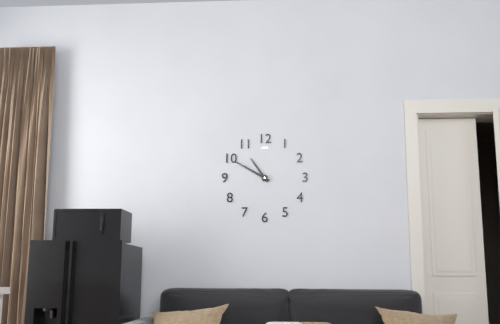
h=10 m=50
